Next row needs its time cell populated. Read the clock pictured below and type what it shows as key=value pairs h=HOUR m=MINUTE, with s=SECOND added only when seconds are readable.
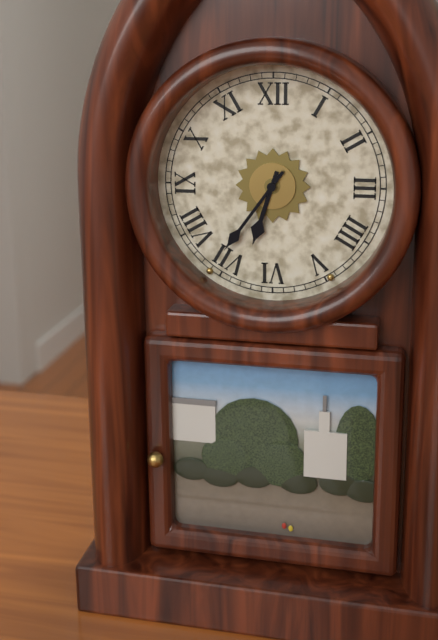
h=6 m=36
